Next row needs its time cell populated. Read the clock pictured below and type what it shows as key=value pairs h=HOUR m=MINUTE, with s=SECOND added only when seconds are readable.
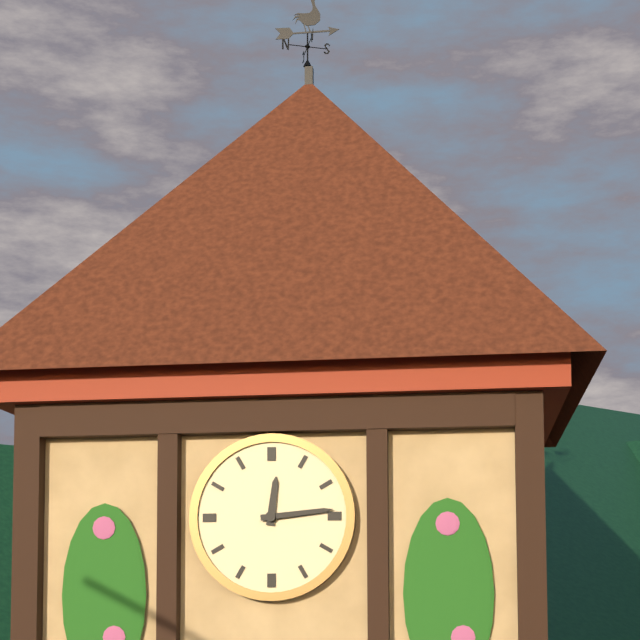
h=12 m=14
